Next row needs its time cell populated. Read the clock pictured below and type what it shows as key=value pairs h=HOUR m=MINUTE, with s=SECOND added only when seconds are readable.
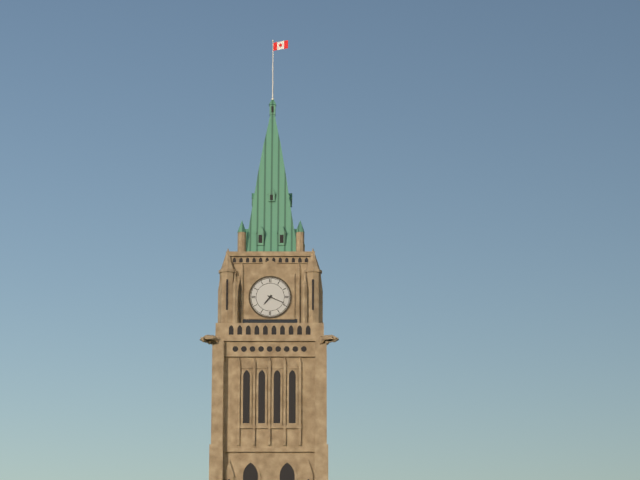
h=7 m=19
